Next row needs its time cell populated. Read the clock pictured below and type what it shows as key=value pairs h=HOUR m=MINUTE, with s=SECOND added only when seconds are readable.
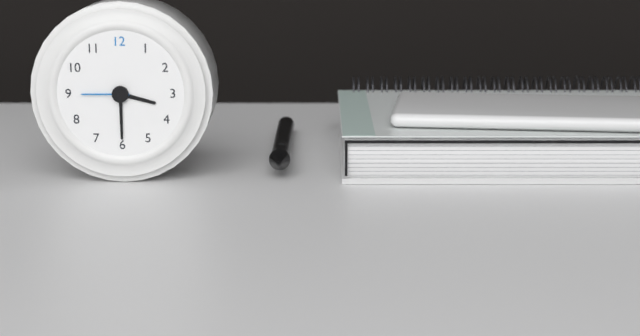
h=3 m=30 s=45
